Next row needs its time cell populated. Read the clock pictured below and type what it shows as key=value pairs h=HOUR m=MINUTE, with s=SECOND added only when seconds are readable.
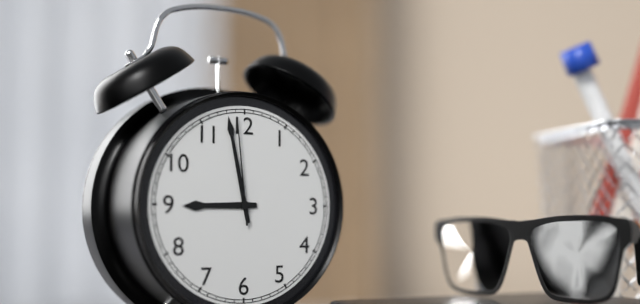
h=8 m=58 s=59
